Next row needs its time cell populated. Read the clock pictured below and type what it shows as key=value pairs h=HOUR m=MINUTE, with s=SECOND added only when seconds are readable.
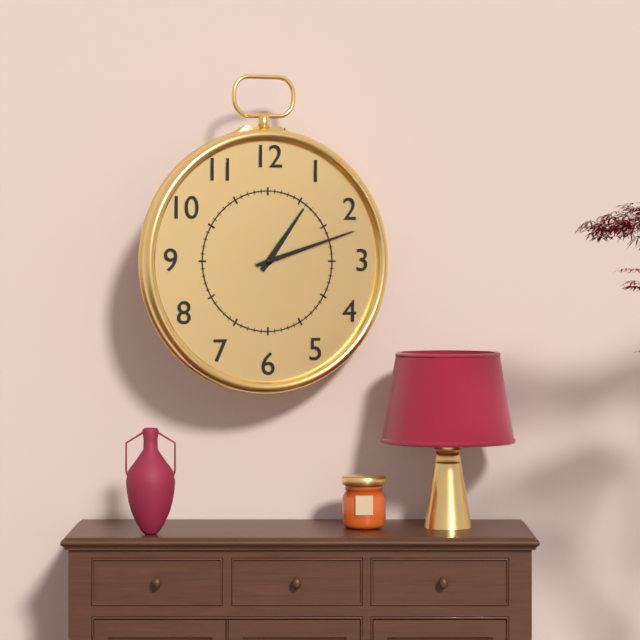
h=1 m=12
